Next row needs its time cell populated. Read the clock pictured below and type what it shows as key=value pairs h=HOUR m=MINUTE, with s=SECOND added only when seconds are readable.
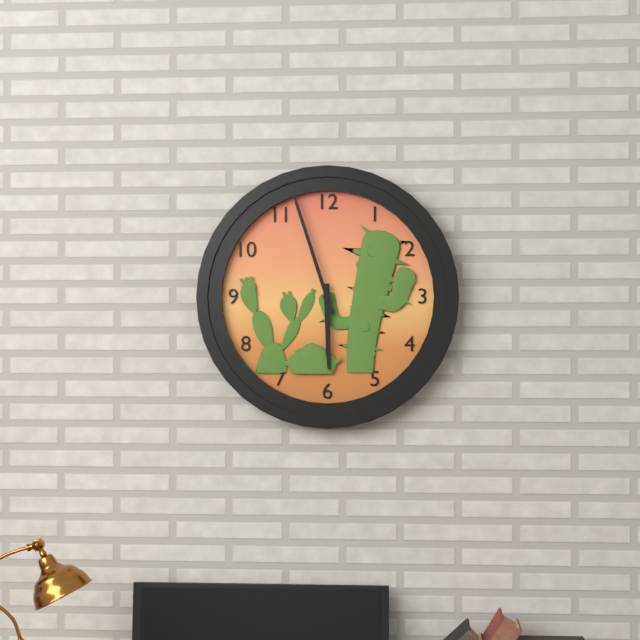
h=5 m=57
